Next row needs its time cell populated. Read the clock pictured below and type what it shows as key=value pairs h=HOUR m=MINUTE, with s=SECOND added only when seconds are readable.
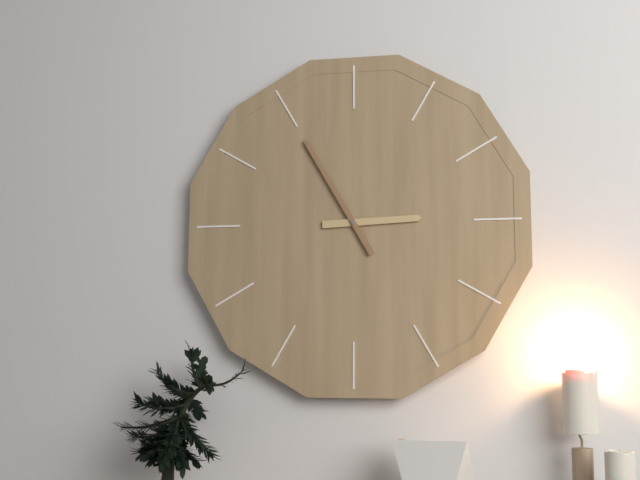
h=2 m=55
